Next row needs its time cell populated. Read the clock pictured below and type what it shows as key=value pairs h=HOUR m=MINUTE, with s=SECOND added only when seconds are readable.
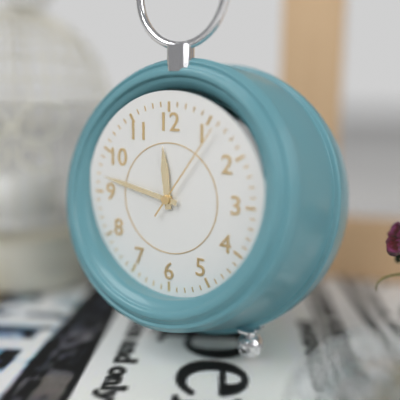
h=11 m=47 s=6
